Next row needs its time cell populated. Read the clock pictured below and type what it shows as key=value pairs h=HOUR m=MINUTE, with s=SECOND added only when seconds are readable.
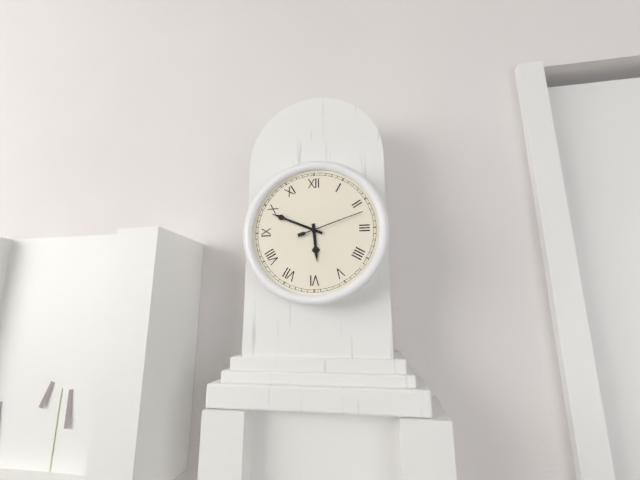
h=5 m=49 s=12
